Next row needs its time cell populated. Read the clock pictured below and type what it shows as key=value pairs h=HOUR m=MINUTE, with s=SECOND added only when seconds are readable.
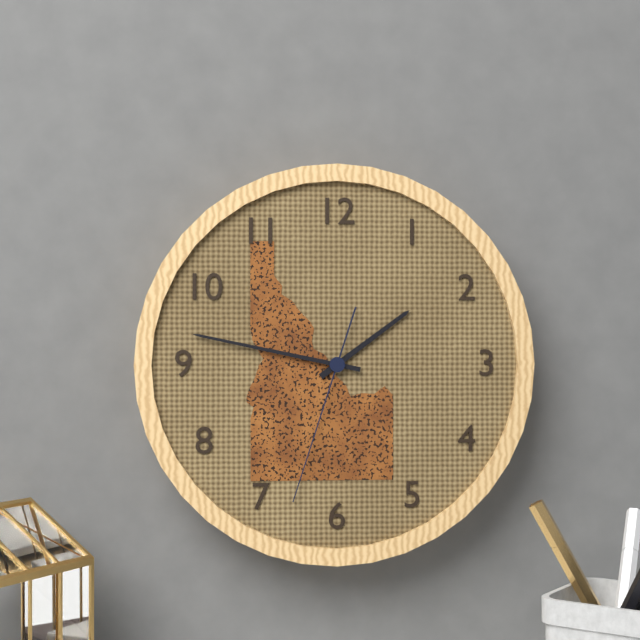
h=1 m=47 s=33
